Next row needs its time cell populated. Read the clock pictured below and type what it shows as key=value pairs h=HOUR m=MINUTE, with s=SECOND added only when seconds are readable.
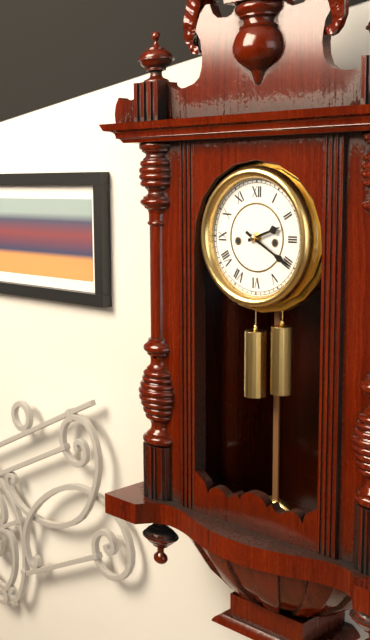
h=2 m=20
